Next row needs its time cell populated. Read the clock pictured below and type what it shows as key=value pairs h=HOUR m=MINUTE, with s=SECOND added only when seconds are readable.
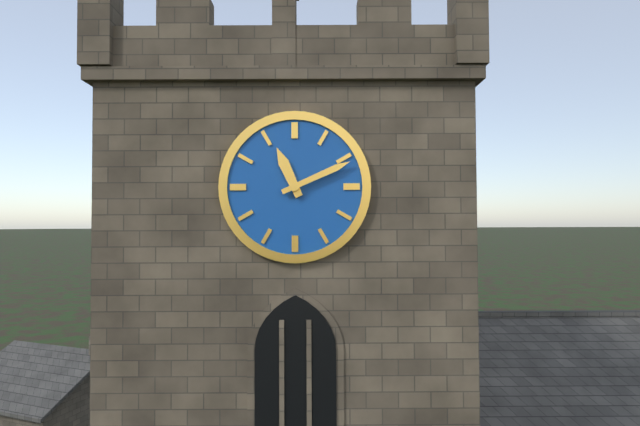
h=11 m=11
